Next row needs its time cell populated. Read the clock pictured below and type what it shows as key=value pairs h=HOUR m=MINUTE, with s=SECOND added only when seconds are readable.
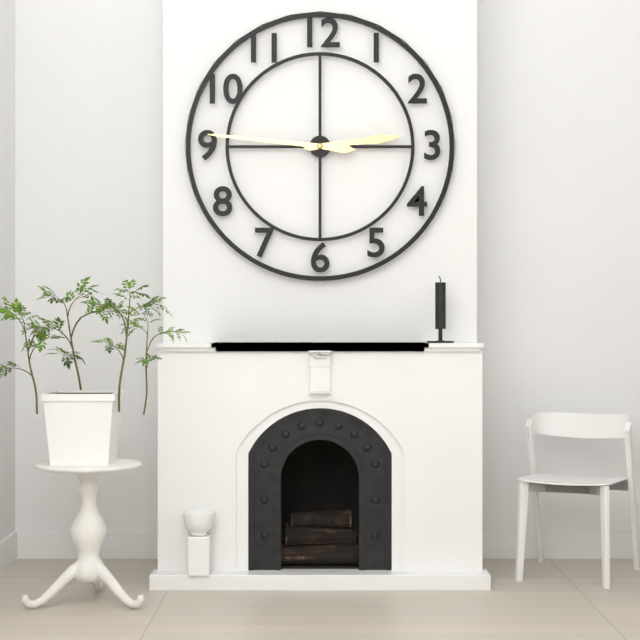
h=2 m=46
